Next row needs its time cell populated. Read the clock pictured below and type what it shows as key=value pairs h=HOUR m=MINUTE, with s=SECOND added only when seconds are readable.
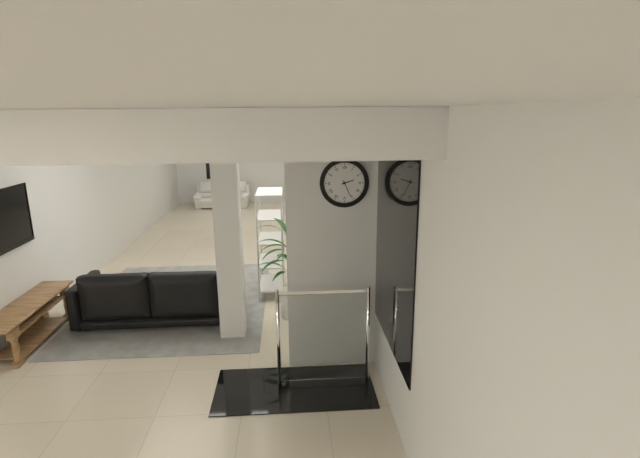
h=2 m=26
